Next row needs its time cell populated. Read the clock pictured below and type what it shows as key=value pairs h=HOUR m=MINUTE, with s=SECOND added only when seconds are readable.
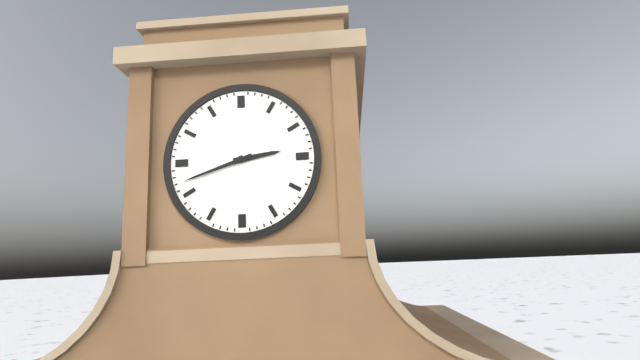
h=2 m=42
